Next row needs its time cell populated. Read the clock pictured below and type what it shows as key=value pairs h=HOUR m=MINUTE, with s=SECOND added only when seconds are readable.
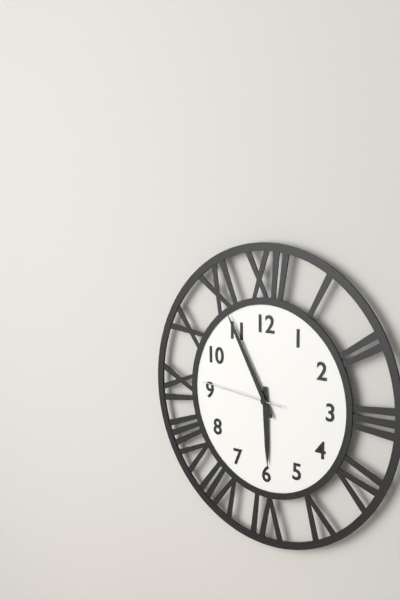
h=5 m=55 s=46
